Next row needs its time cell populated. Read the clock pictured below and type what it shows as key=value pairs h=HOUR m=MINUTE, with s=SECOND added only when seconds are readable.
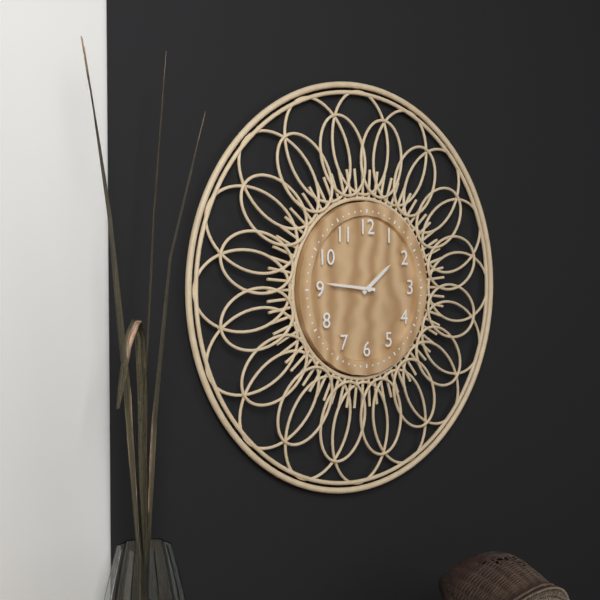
h=1 m=46
